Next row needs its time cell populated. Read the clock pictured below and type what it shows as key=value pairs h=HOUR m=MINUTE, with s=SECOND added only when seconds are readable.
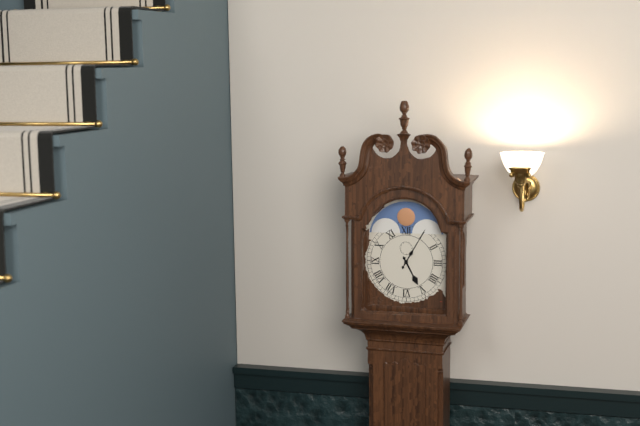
h=5 m=5
